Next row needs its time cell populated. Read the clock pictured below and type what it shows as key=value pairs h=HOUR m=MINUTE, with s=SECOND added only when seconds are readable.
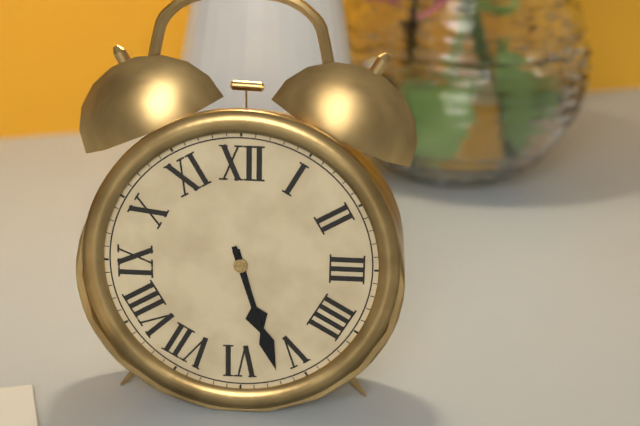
h=5 m=27
